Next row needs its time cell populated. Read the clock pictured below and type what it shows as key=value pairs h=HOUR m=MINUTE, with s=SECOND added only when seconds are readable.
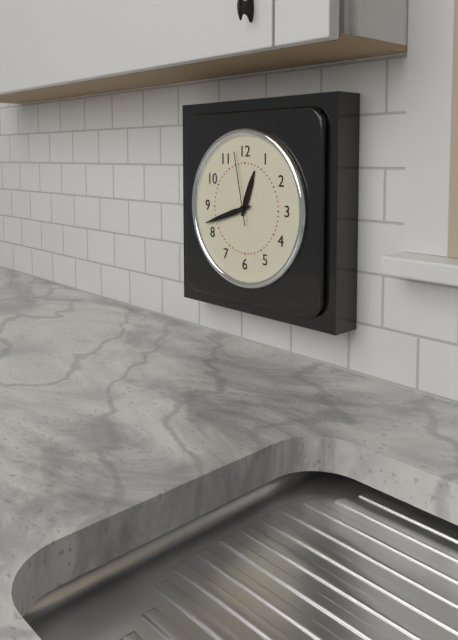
h=12 m=42 s=58
